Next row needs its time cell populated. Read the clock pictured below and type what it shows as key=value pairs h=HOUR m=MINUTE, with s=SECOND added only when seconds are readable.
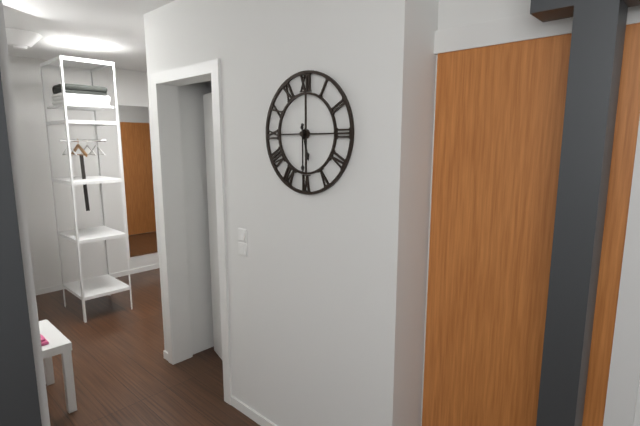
h=5 m=30
